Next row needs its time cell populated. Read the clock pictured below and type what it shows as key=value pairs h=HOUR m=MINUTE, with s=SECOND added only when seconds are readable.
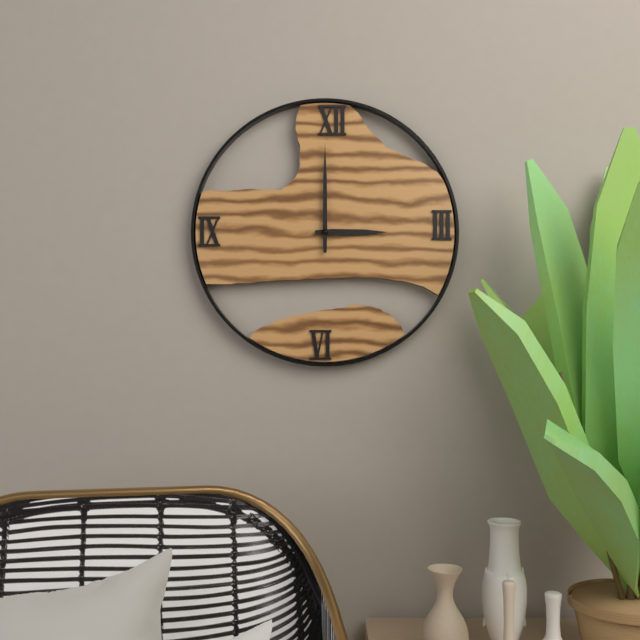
h=3 m=0
